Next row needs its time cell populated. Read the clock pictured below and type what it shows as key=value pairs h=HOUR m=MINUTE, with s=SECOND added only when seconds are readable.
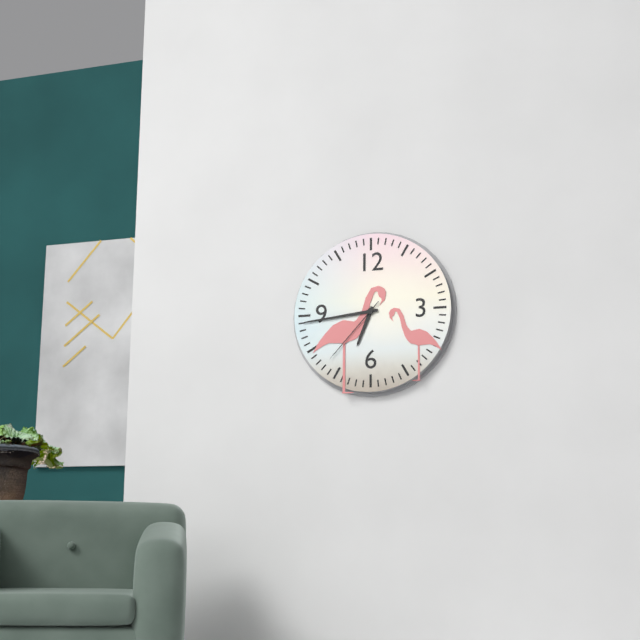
h=6 m=44 s=37
